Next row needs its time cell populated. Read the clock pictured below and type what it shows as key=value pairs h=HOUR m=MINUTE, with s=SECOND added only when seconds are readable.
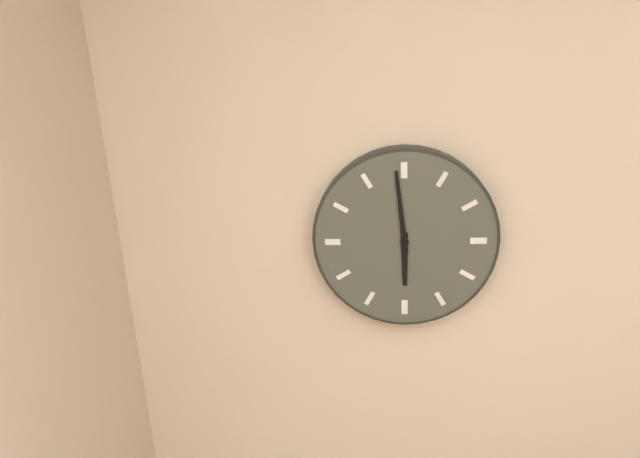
h=5 m=59
